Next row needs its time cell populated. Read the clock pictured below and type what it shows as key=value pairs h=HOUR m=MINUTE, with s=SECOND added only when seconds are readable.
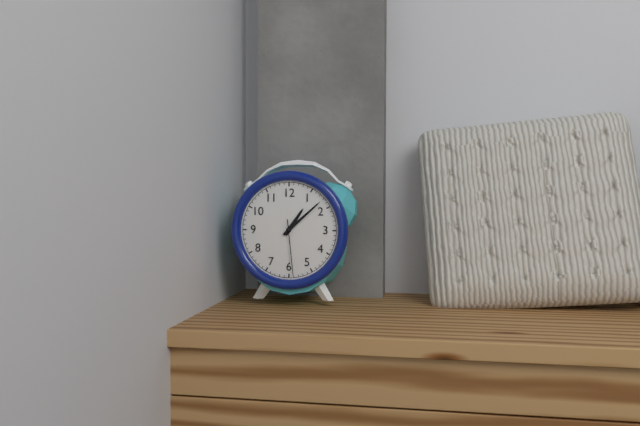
h=1 m=8 s=29
